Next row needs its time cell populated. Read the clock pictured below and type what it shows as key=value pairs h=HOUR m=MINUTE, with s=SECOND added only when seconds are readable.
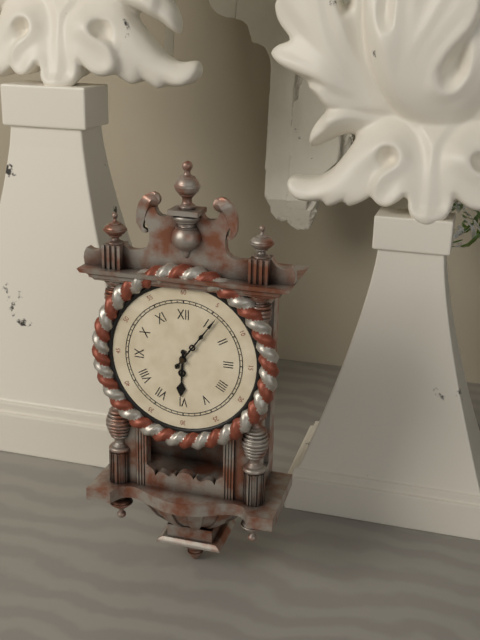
h=6 m=6
